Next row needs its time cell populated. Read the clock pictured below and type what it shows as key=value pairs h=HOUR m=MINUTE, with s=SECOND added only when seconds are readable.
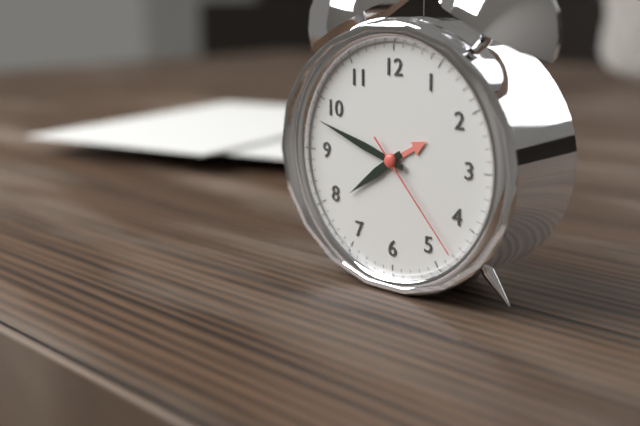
h=7 m=48 s=23
